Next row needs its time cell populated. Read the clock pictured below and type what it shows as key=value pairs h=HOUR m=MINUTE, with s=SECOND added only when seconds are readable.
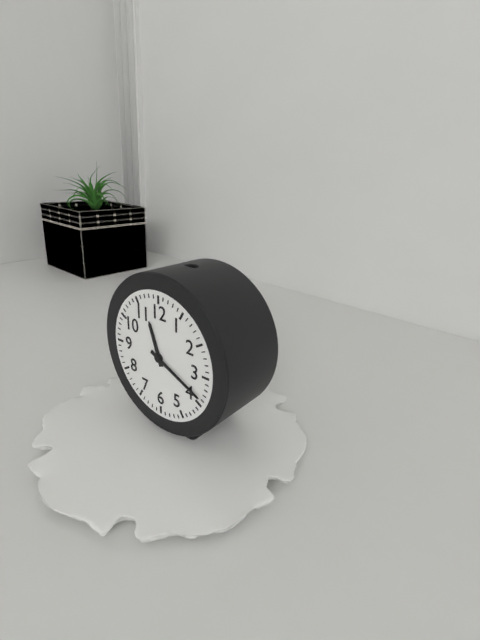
h=11 m=19
